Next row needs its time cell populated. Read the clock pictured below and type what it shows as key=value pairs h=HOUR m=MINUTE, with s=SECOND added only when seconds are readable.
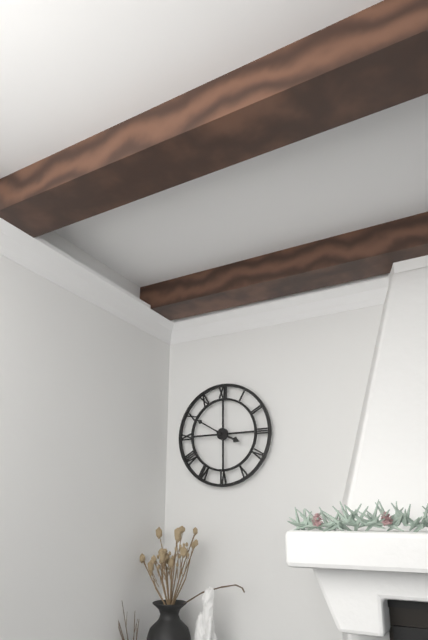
h=3 m=50
